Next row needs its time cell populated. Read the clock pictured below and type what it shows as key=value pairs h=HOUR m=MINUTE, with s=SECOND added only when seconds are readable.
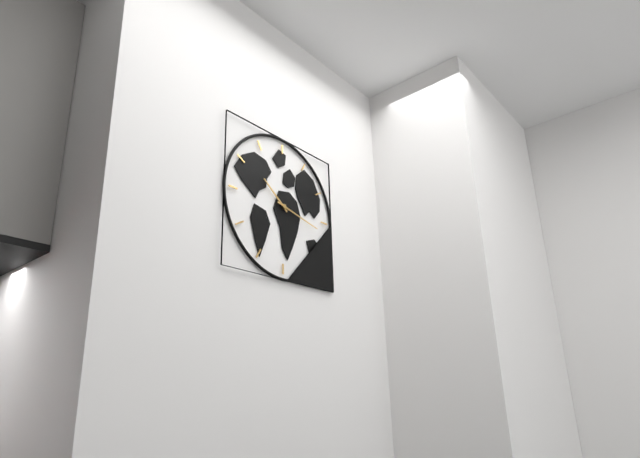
h=10 m=17
